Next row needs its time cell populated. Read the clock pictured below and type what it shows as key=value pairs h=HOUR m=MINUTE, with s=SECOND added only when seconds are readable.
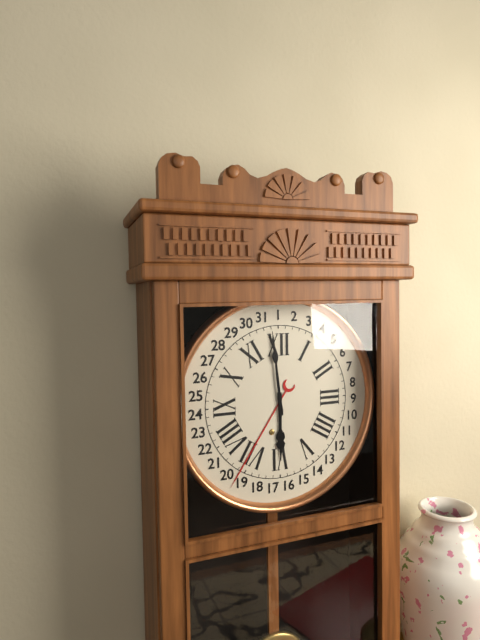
h=5 m=59
